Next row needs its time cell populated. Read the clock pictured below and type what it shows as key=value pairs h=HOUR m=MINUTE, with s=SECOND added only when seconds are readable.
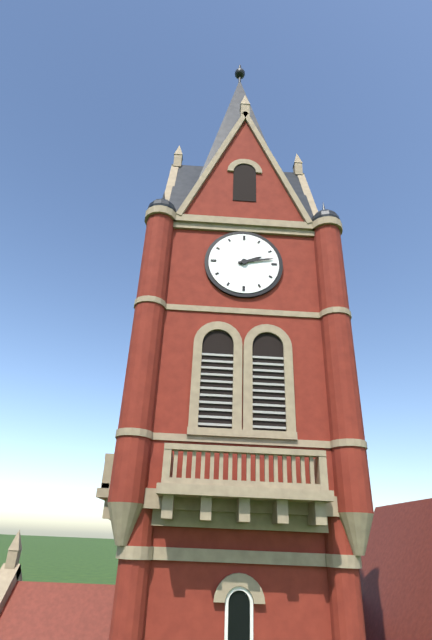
h=2 m=13
